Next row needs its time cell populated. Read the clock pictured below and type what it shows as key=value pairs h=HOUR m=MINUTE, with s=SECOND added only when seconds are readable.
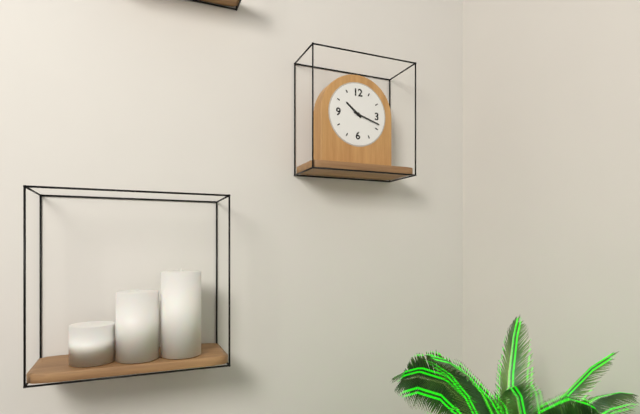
h=10 m=18
